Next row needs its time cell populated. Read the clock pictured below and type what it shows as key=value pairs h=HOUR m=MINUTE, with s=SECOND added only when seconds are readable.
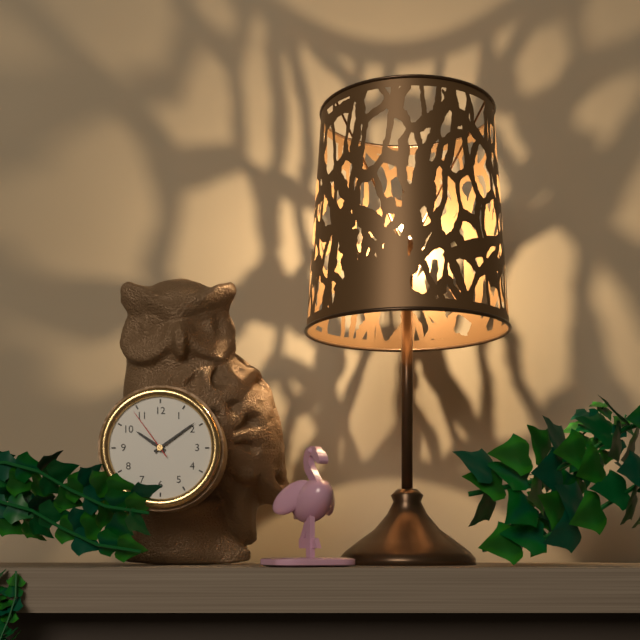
h=10 m=9 s=54
